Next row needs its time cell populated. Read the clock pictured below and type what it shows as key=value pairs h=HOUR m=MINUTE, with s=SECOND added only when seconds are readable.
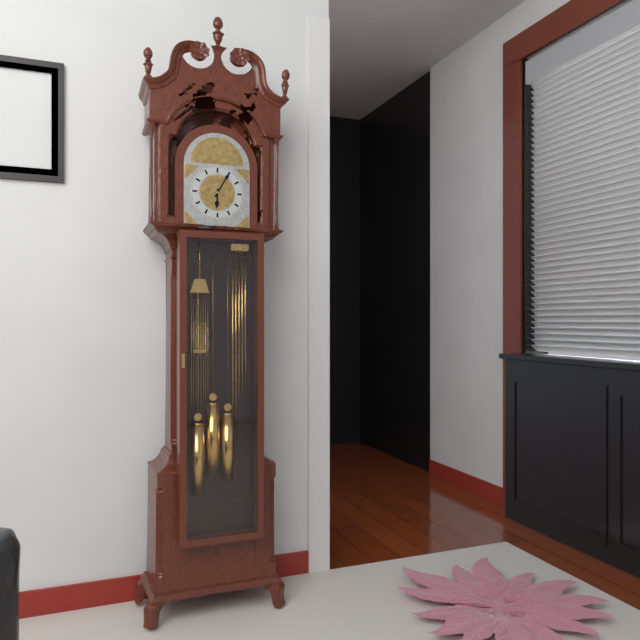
h=6 m=5
